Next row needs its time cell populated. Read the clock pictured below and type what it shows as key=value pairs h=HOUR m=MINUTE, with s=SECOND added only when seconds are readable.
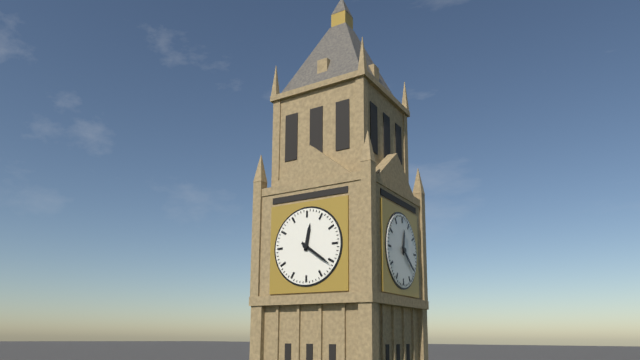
h=12 m=21
